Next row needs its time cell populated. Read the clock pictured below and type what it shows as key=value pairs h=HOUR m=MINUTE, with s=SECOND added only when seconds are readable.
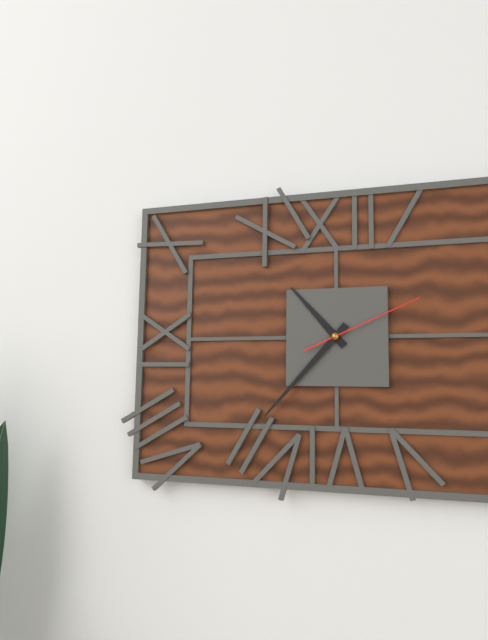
h=10 m=37 s=11
